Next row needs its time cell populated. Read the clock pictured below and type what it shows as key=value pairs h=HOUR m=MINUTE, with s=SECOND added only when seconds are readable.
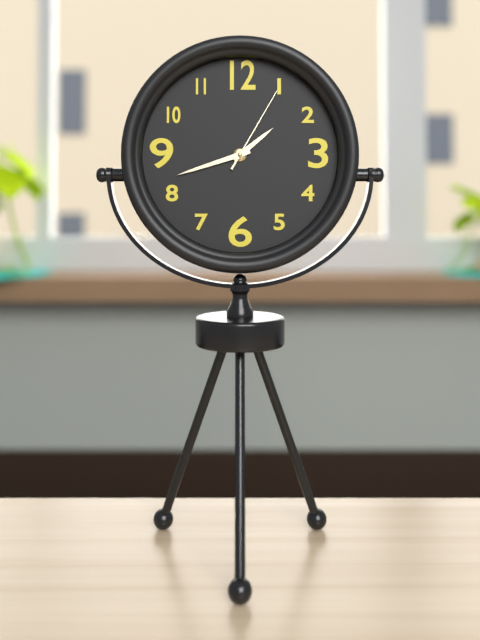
h=1 m=42 s=5
